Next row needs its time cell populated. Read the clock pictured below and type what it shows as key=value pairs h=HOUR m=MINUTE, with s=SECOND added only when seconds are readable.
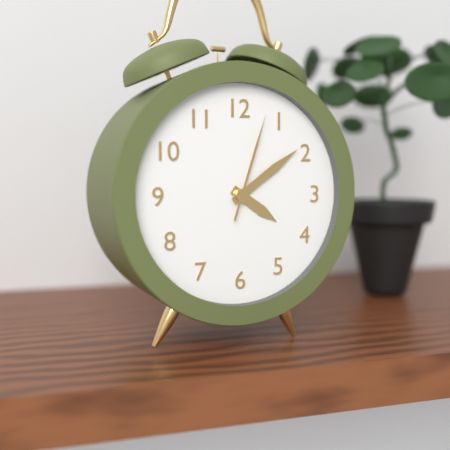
h=4 m=9 s=3
